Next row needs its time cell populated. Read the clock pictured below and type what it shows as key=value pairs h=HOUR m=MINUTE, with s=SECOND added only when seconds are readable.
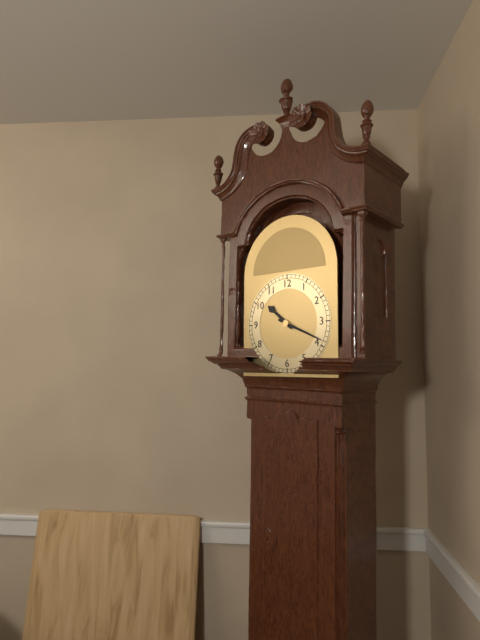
h=10 m=19
